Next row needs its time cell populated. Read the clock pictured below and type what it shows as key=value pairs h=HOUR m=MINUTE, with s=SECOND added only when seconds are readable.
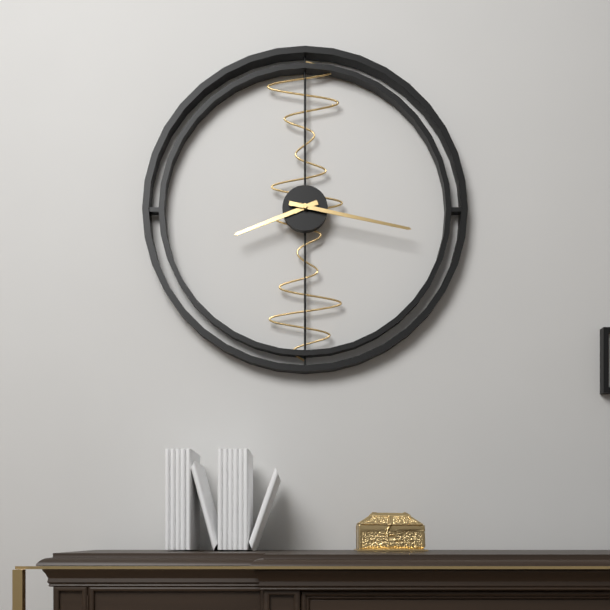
h=8 m=17
